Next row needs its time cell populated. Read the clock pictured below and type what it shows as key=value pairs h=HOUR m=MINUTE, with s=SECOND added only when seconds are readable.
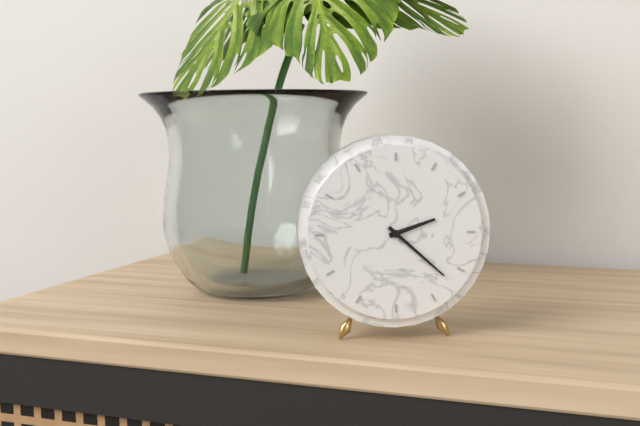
h=2 m=22
